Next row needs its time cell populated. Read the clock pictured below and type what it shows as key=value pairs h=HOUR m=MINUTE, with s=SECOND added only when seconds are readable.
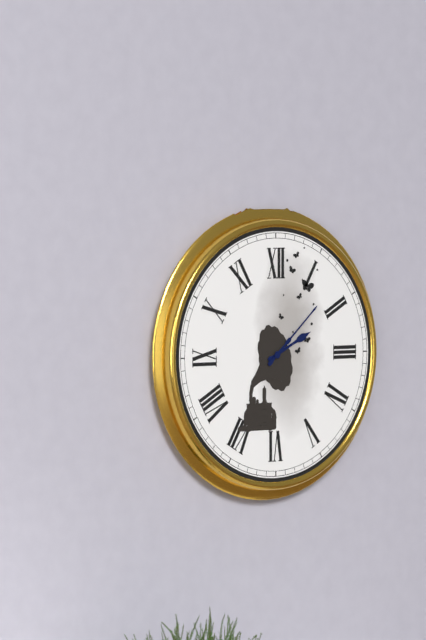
h=2 m=8
